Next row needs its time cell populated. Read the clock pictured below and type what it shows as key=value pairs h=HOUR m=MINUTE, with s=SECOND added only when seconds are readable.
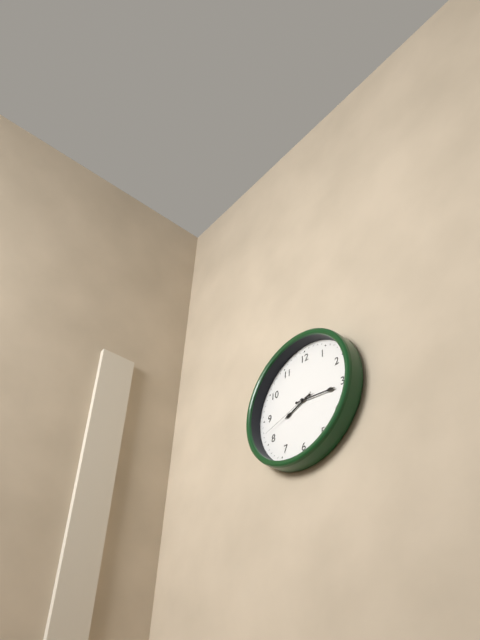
h=8 m=16 s=42
